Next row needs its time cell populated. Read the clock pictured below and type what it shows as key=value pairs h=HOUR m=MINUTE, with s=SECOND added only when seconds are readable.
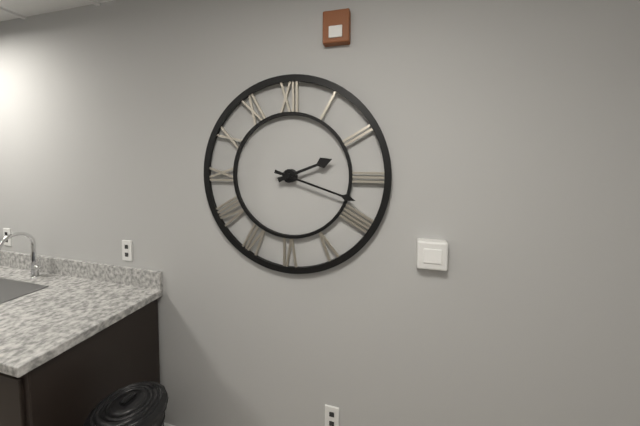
h=2 m=18
